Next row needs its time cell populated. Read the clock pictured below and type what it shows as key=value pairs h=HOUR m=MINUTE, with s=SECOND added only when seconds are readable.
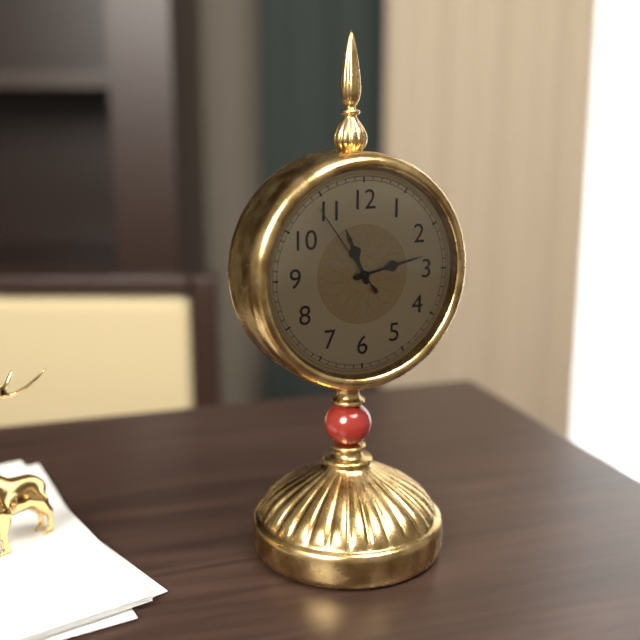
h=11 m=13 s=54
